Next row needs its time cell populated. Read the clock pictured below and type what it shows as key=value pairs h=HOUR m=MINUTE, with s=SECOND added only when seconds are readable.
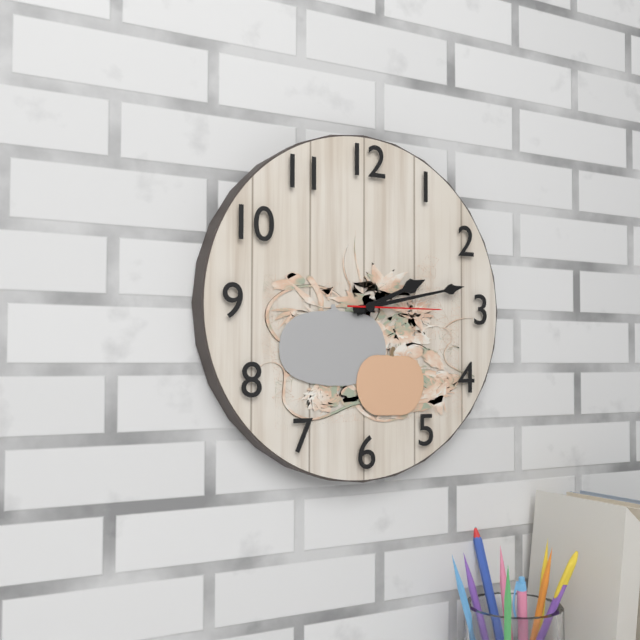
h=2 m=13 s=15
